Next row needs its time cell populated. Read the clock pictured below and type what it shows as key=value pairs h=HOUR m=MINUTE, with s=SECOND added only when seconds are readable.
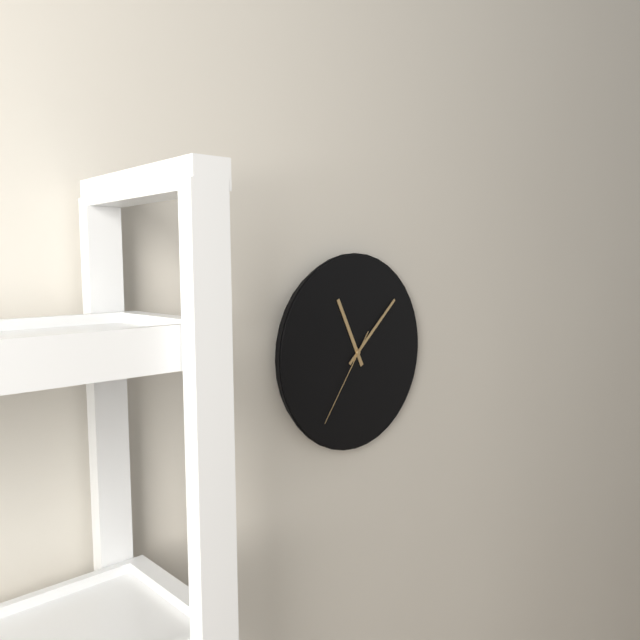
h=11 m=8 s=36
